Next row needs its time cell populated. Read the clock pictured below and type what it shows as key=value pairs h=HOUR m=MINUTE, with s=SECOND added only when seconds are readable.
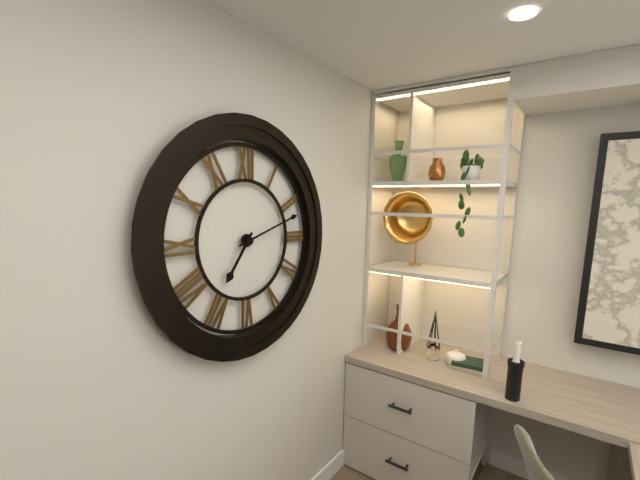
h=7 m=12
